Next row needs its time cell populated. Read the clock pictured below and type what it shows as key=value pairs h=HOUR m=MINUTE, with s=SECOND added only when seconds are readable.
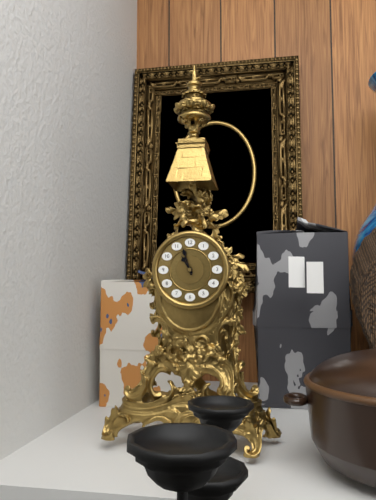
h=10 m=57
